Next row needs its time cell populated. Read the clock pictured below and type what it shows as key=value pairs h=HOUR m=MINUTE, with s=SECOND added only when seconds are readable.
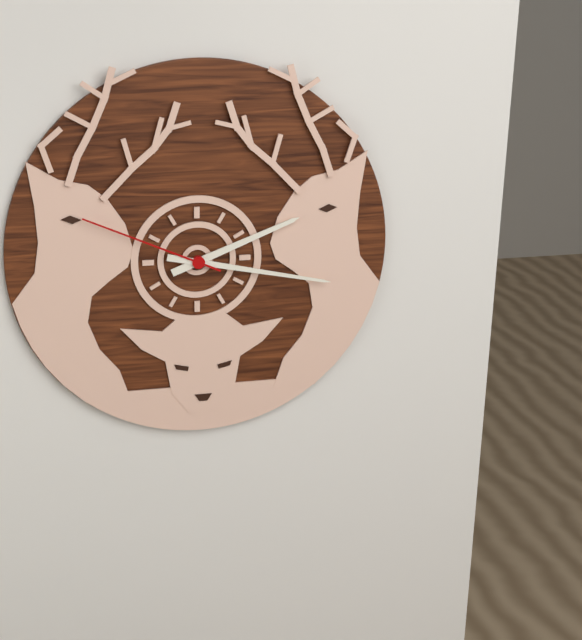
h=2 m=17 s=49
